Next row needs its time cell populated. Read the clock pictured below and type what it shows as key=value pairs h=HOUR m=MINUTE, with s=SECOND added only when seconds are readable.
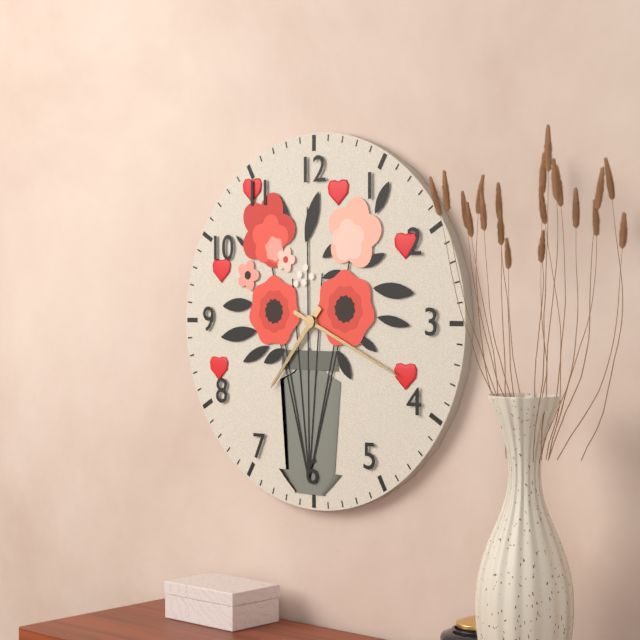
h=7 m=19
